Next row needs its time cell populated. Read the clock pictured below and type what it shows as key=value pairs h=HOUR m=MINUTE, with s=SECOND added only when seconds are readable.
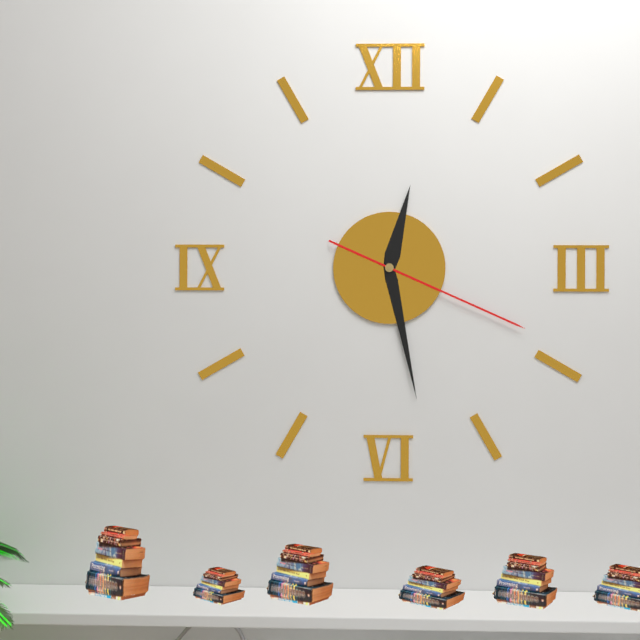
h=12 m=28 s=19
